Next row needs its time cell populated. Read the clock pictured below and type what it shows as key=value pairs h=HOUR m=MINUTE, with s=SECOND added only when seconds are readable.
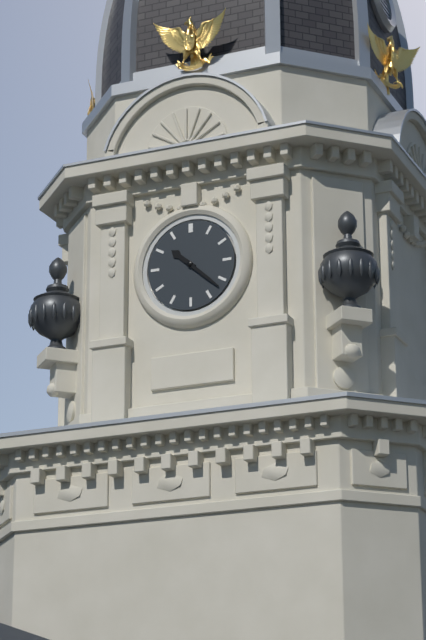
h=10 m=22
